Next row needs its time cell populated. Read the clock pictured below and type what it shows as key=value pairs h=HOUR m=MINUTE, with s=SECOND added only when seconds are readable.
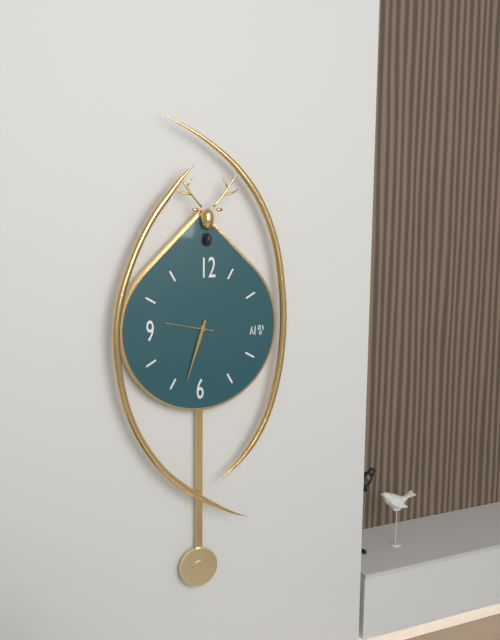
h=6 m=33
